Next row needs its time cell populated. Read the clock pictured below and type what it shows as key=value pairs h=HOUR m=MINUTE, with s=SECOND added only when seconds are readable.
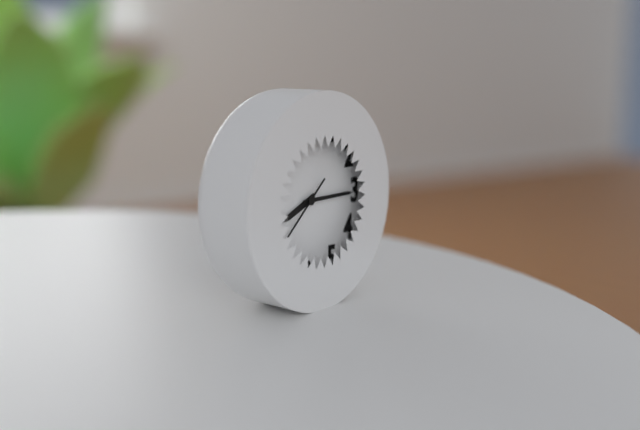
h=8 m=15 s=38
